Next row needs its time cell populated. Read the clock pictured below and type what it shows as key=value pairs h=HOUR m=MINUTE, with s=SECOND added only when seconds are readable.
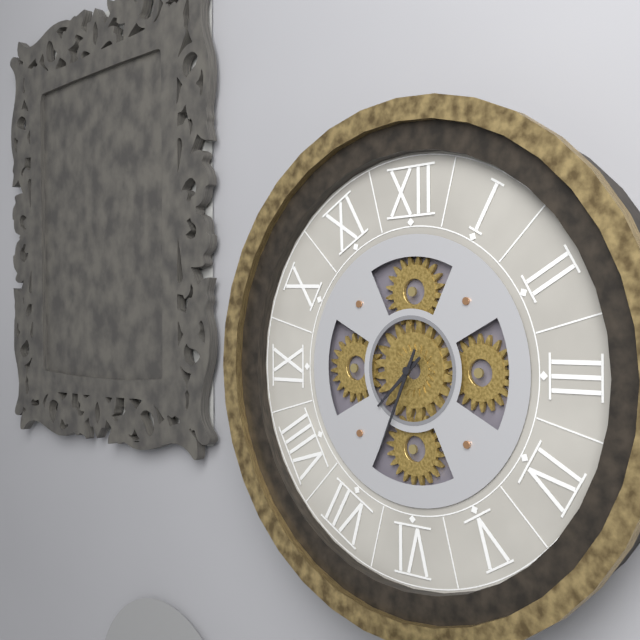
h=7 m=34
